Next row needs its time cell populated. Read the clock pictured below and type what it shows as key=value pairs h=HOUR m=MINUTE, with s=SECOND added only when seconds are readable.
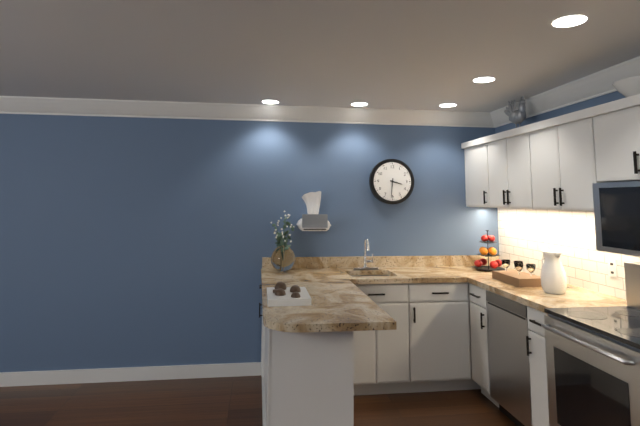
h=3 m=31
